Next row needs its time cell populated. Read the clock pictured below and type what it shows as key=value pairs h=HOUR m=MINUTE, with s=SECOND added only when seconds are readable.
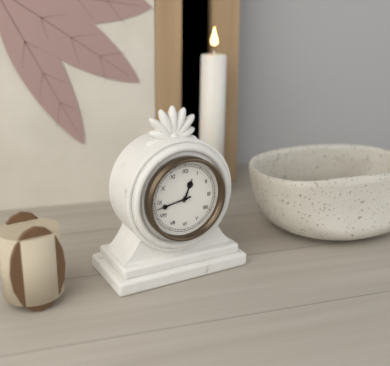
h=12 m=43
